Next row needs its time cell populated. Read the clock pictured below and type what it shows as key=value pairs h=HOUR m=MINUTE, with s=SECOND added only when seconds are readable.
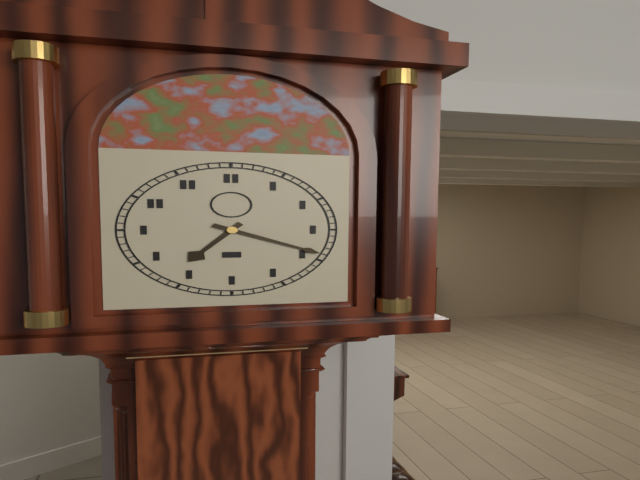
h=7 m=19
